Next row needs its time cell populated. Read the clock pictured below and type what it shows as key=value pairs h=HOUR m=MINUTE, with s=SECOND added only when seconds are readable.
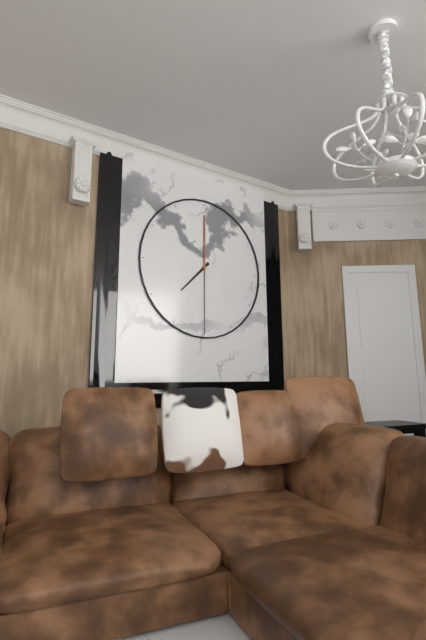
h=7 m=30
